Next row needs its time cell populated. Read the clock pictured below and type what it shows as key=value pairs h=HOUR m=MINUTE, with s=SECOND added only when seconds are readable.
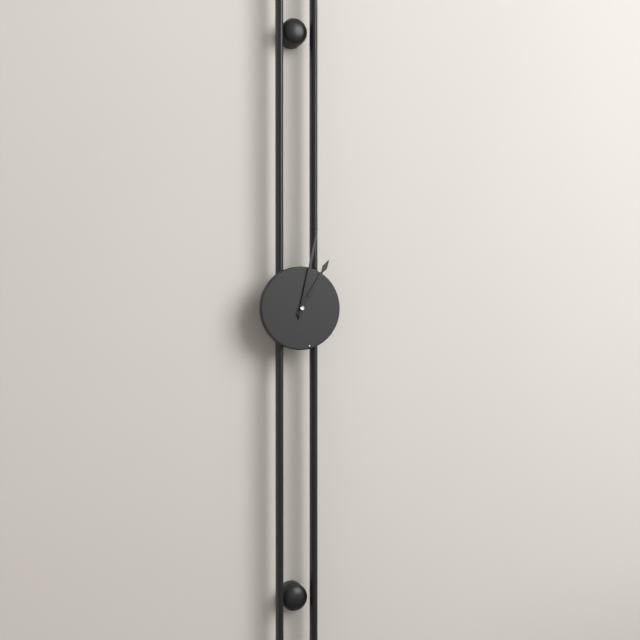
h=1 m=2
